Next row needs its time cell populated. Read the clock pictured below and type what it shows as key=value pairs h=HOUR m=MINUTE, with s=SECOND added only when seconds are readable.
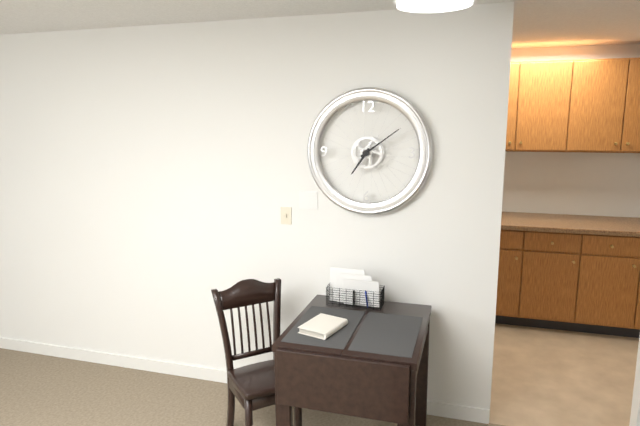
h=7 m=9
